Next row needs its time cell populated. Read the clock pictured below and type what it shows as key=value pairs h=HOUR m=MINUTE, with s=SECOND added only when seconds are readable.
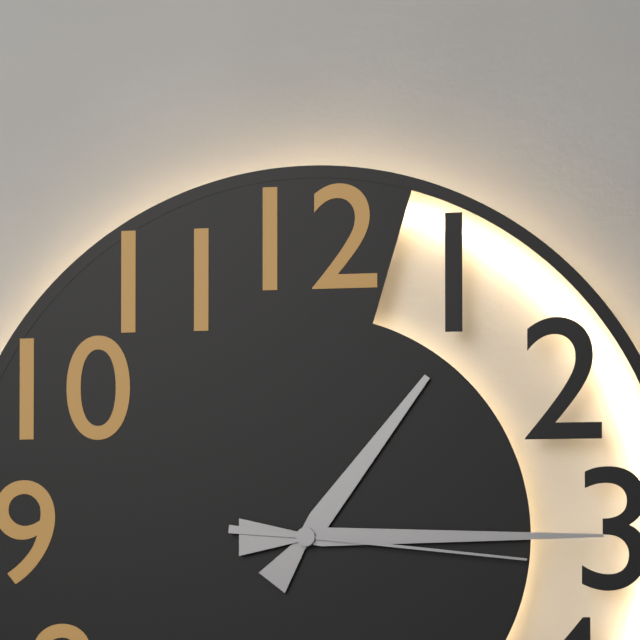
h=1 m=15 s=16
